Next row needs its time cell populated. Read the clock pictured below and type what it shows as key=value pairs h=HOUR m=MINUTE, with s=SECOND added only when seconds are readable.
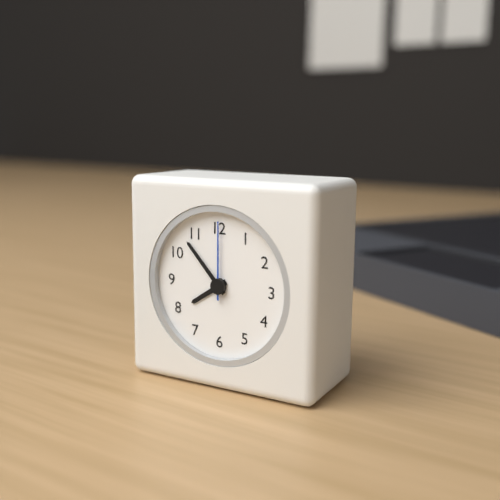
h=7 m=53 s=0
